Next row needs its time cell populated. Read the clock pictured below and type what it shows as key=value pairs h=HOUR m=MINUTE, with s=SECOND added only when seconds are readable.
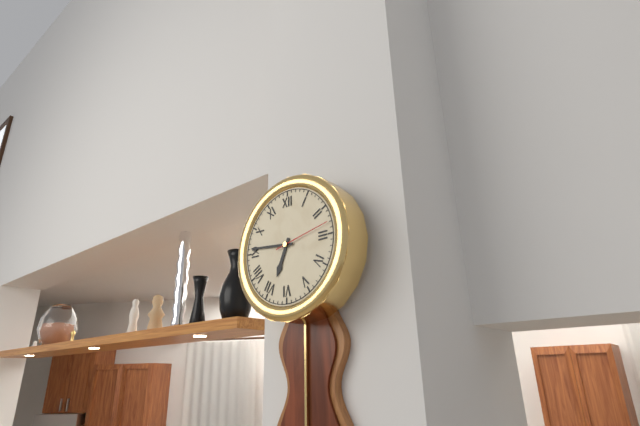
h=6 m=46 s=13
